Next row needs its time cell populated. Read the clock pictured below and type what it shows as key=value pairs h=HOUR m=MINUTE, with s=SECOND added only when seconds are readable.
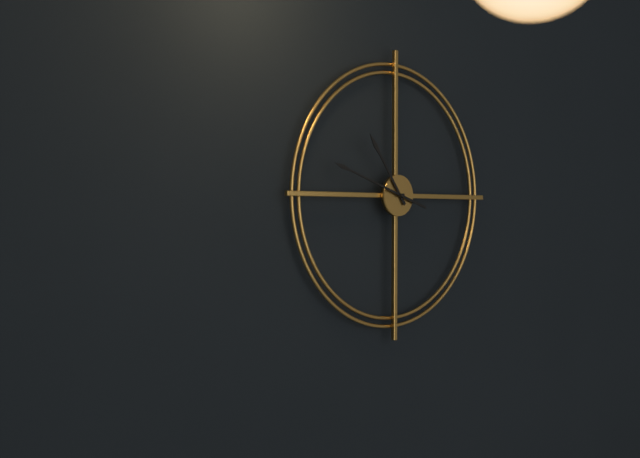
h=10 m=48
